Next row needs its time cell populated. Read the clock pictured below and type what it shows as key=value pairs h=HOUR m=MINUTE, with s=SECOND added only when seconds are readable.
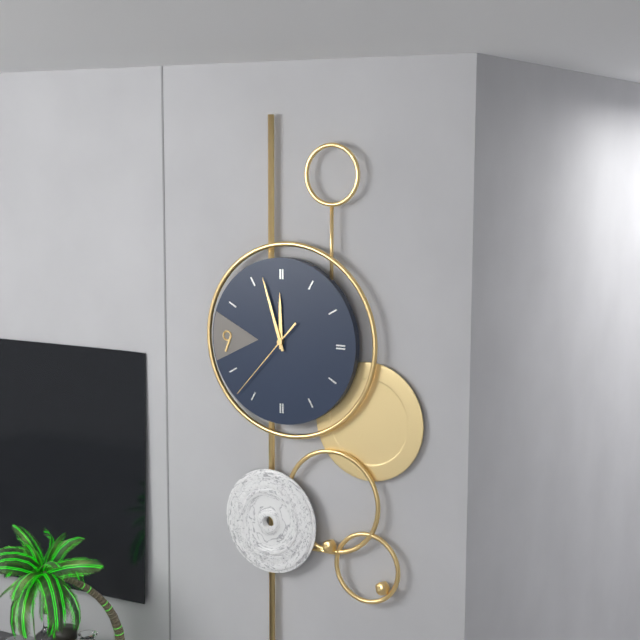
h=11 m=57 s=37
